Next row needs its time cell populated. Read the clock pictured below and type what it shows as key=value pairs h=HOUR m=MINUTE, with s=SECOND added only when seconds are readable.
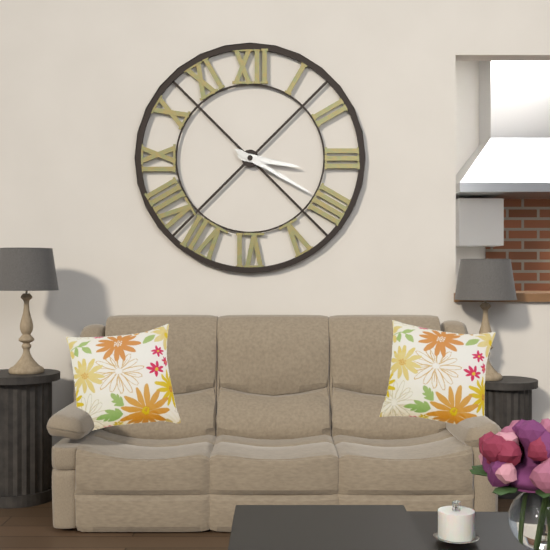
h=3 m=20
